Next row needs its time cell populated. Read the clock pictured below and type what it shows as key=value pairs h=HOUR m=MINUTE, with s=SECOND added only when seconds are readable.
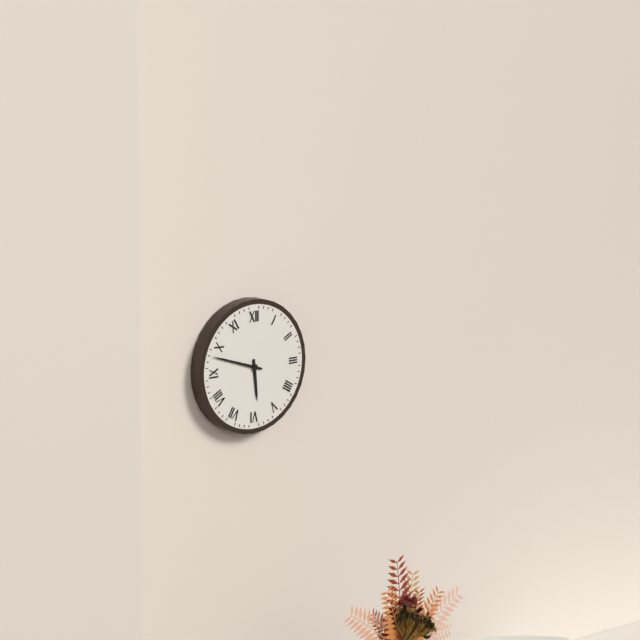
h=5 m=48
